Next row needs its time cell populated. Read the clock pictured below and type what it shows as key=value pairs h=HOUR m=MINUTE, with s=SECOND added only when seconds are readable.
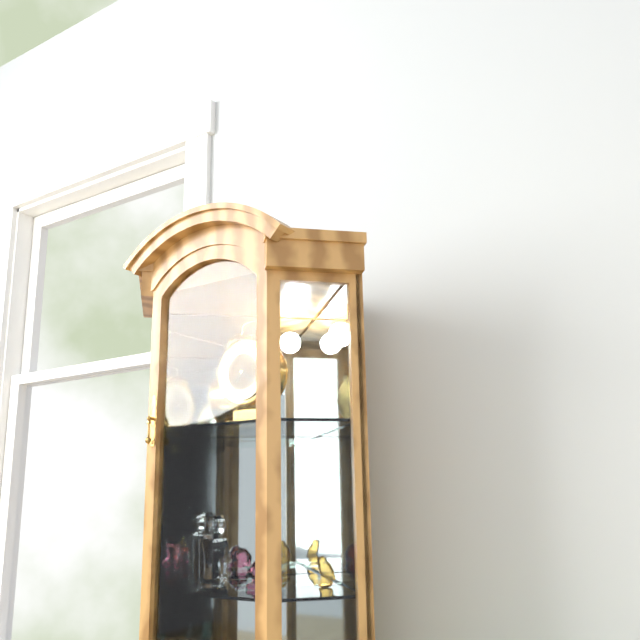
h=7 m=21
